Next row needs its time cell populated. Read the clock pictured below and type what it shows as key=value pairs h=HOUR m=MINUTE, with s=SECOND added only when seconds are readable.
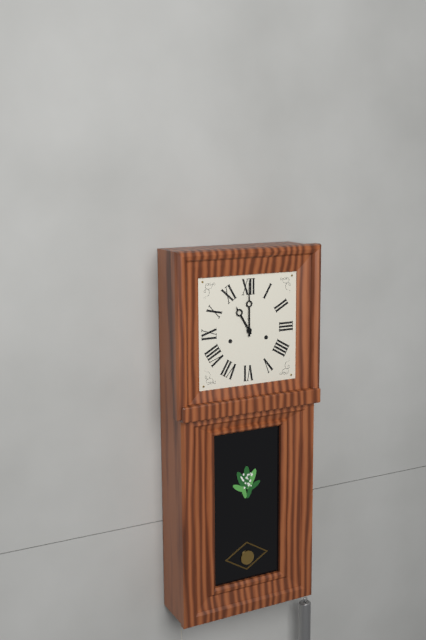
h=11 m=0
